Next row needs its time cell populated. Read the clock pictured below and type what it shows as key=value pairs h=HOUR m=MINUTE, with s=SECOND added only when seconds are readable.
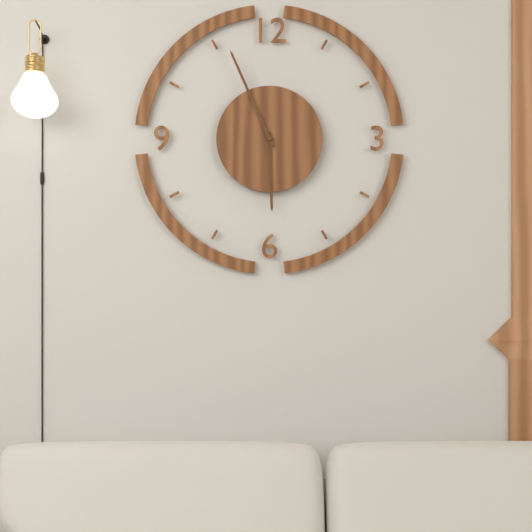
h=5 m=56
